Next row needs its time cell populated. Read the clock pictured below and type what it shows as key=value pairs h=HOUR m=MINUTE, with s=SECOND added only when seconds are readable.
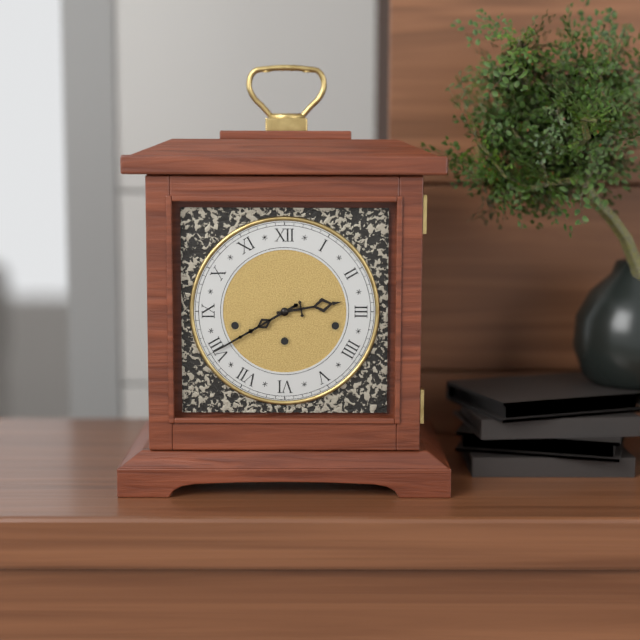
h=2 m=40
